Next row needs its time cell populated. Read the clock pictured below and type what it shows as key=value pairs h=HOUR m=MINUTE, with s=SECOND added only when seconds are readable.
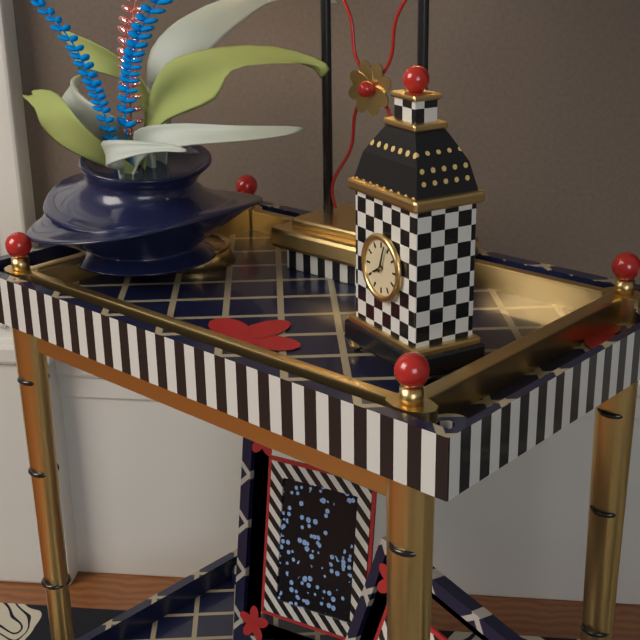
h=8 m=3
